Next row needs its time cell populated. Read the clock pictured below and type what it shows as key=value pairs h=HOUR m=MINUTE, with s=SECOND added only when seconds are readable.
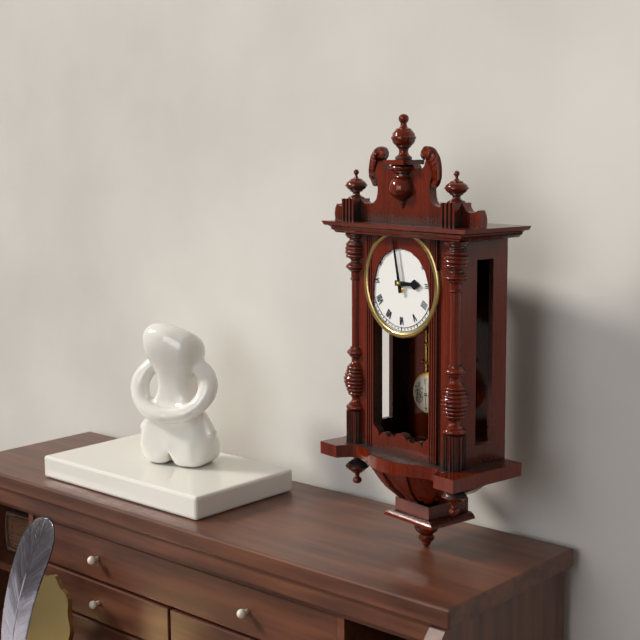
h=2 m=58
